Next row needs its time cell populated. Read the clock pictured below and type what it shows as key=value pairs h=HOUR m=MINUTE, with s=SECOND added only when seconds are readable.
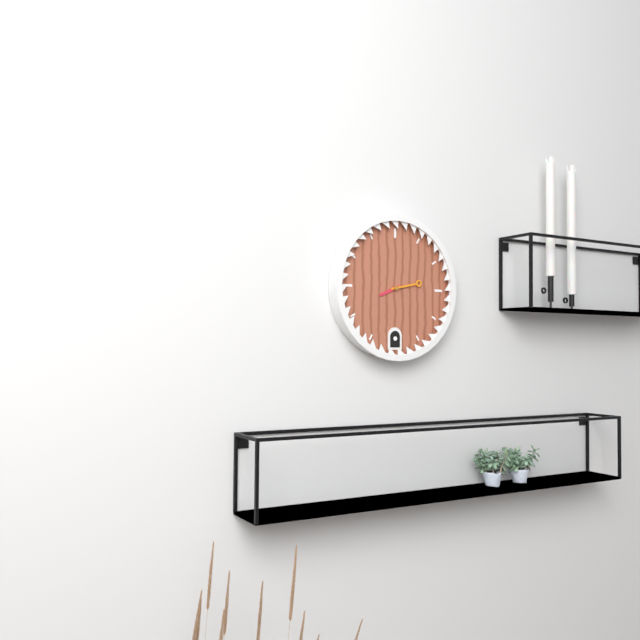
h=8 m=13
